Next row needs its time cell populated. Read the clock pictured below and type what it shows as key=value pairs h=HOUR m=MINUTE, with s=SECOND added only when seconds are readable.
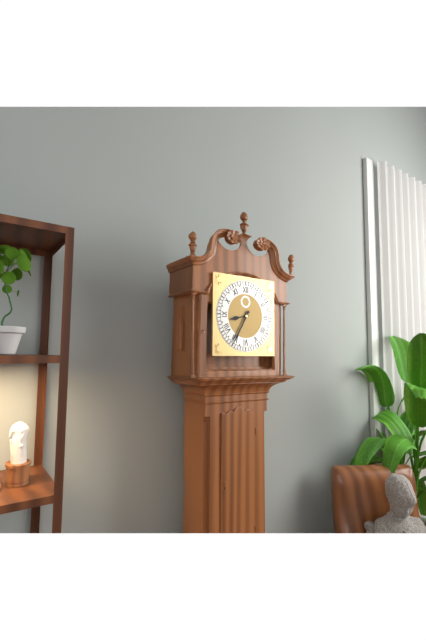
h=8 m=35
